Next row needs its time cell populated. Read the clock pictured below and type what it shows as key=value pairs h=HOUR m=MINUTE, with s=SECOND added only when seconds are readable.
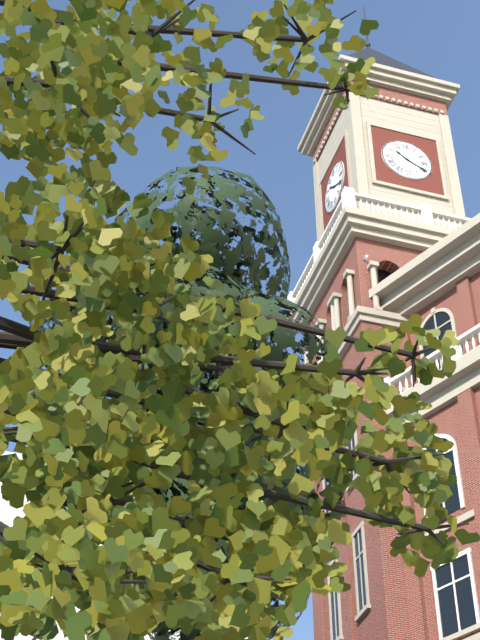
h=10 m=20
